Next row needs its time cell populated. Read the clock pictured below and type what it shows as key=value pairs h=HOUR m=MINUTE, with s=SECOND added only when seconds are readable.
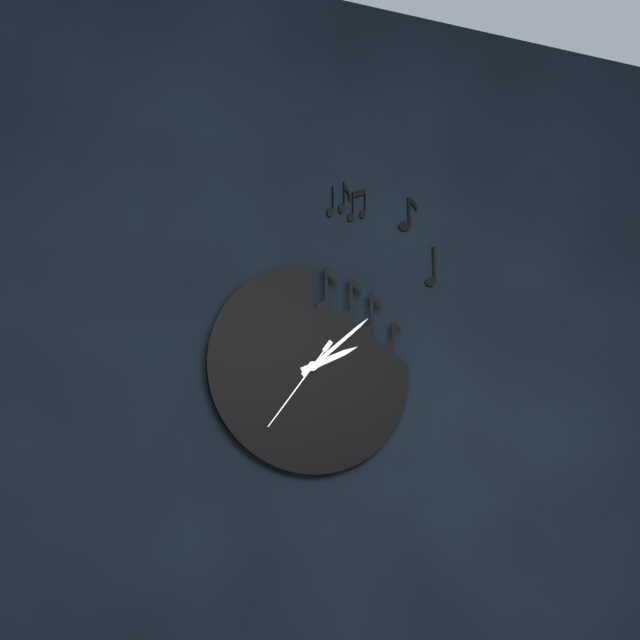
h=2 m=8 s=36
